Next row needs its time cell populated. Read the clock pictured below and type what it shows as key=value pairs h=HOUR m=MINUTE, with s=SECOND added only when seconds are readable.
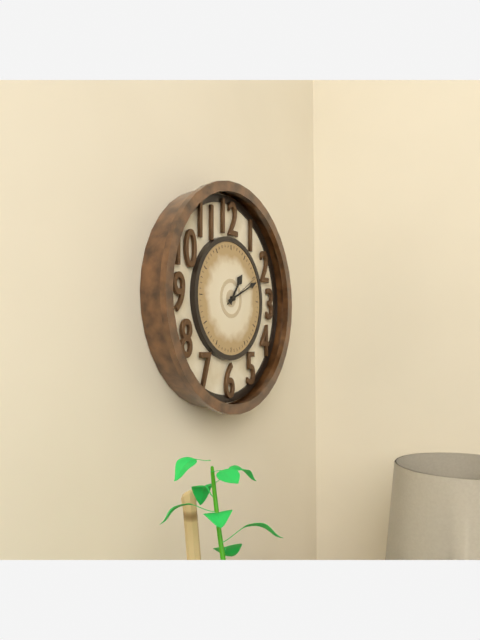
h=1 m=11
